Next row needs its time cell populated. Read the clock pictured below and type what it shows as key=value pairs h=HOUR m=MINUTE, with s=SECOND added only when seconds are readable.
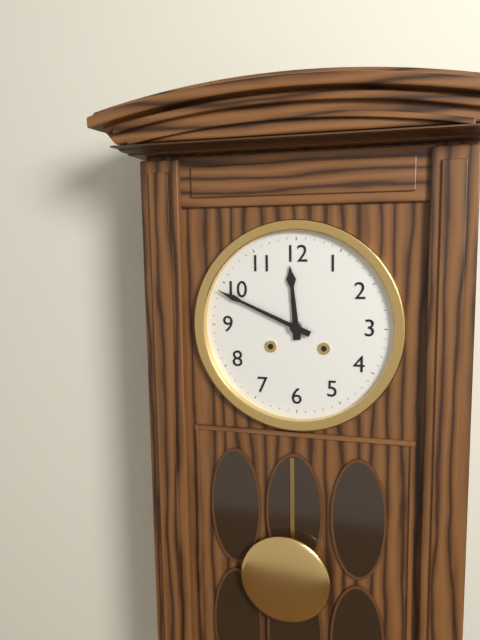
h=11 m=49
